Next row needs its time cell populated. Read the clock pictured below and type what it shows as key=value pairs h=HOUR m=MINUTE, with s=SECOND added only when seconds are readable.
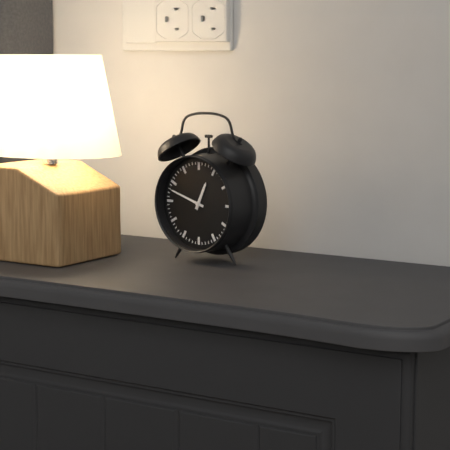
h=12 m=48
